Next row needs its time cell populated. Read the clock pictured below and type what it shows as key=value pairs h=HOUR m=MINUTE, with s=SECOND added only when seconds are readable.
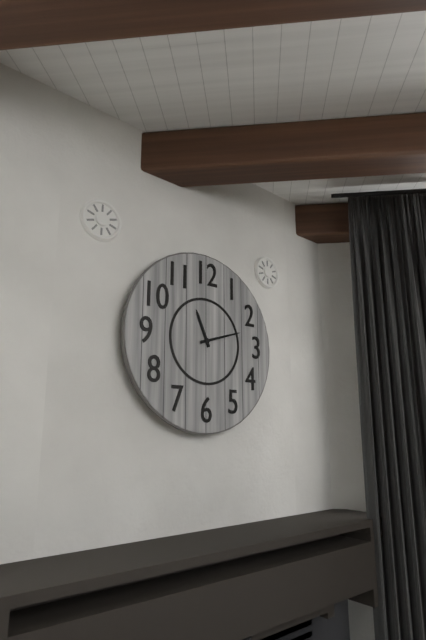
h=11 m=12
